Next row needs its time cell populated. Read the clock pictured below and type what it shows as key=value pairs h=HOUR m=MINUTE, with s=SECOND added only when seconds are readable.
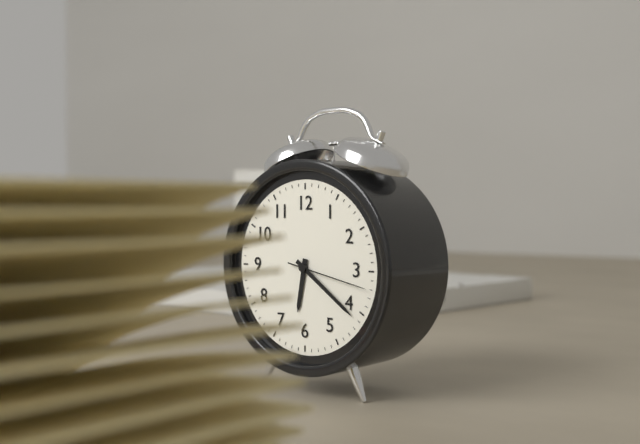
h=6 m=21 s=17
